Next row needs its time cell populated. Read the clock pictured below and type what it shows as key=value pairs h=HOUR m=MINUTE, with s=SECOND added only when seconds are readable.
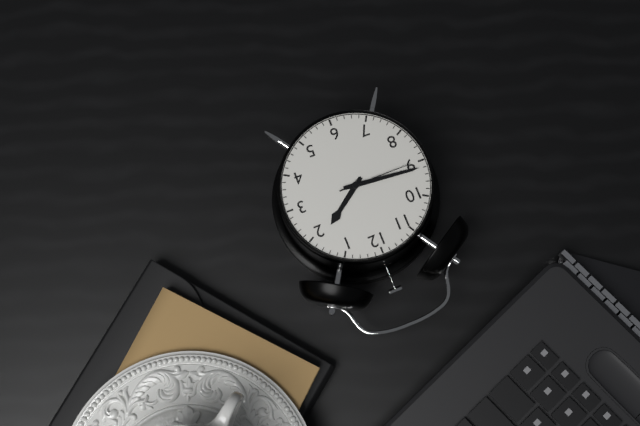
h=1 m=46 s=45
